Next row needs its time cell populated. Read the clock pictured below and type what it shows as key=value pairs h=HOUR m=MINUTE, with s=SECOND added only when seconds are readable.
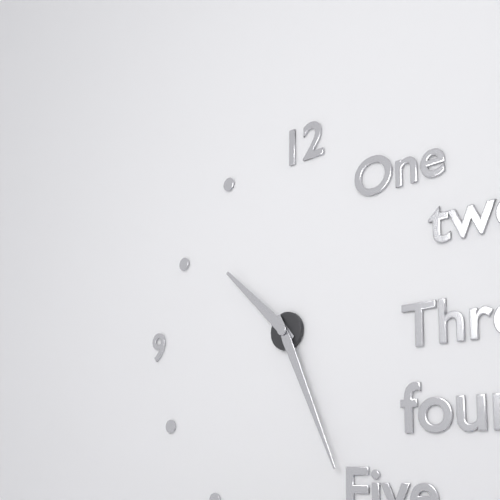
h=10 m=26
